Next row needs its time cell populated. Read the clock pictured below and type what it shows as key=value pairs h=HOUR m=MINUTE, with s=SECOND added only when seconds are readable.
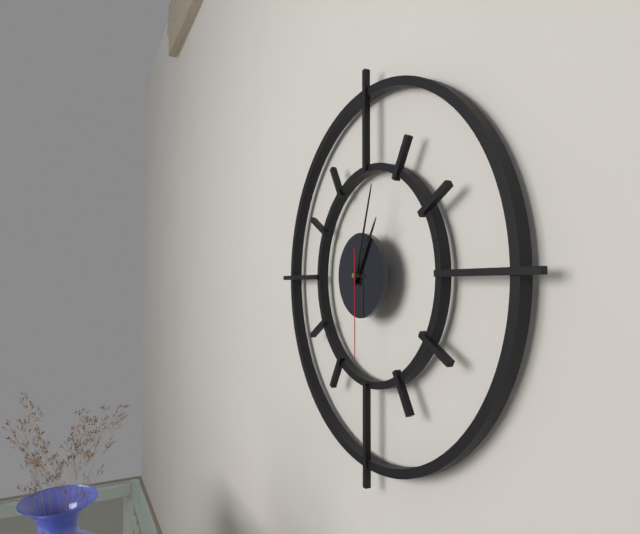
h=1 m=3 s=30
